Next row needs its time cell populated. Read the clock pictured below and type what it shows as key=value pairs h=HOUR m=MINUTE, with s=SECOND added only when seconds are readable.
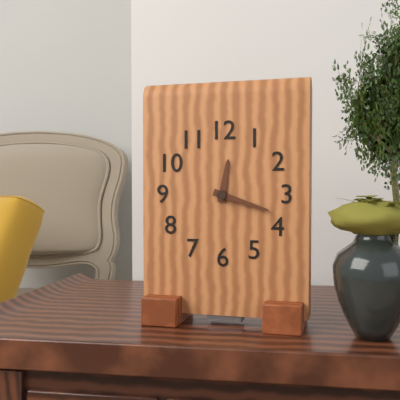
h=12 m=18
